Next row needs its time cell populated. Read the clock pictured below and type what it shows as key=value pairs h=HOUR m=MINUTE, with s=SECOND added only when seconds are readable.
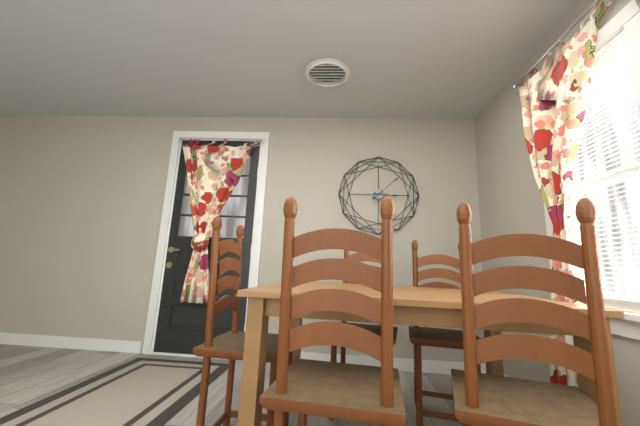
h=3 m=8
